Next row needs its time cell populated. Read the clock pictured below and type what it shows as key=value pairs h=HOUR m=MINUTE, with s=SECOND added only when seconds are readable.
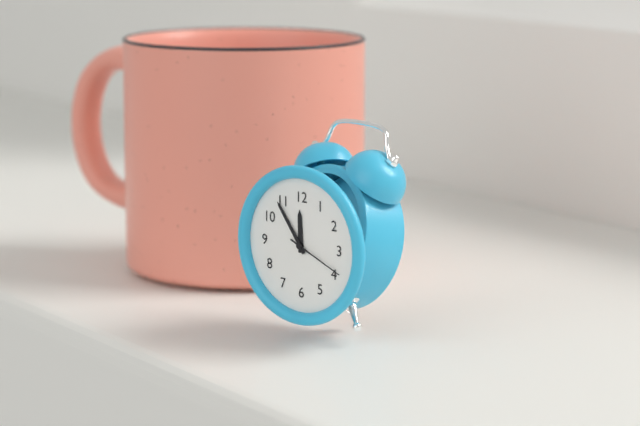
h=11 m=54 s=19
